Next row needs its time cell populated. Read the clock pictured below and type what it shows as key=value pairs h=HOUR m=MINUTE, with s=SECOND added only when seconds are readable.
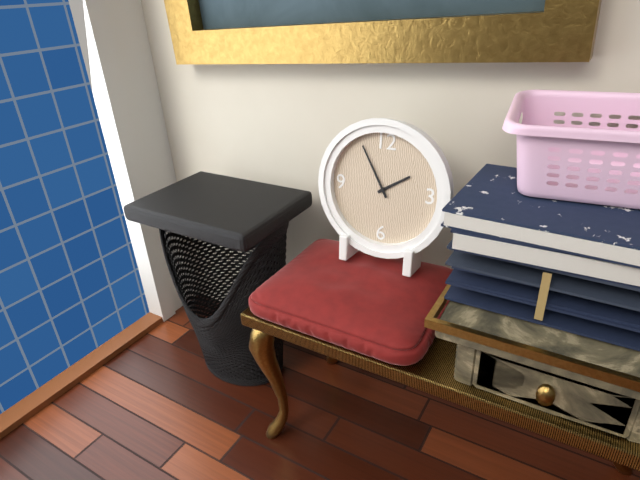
h=1 m=55
